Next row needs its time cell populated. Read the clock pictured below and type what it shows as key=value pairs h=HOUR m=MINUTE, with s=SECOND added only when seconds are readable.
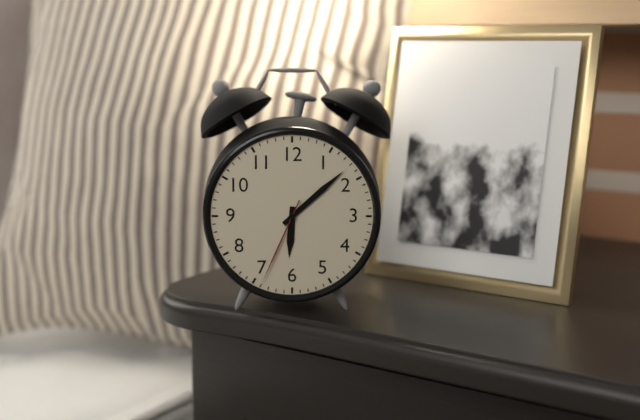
h=6 m=8 s=34
